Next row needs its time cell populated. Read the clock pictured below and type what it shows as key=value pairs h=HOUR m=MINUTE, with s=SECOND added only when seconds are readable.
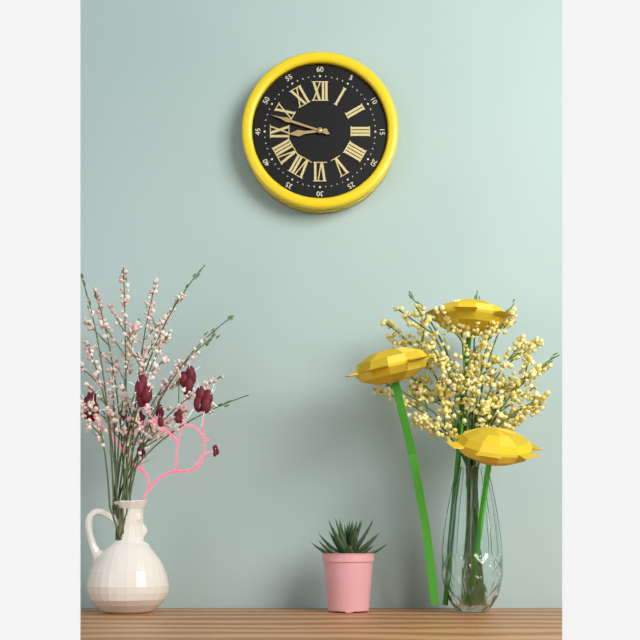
h=8 m=48
